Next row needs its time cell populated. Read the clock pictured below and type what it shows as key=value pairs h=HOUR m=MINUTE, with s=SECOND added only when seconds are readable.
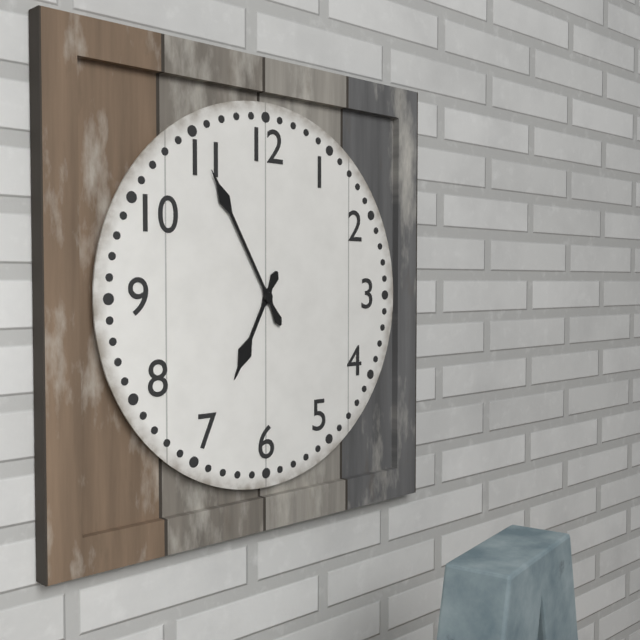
h=6 m=55
